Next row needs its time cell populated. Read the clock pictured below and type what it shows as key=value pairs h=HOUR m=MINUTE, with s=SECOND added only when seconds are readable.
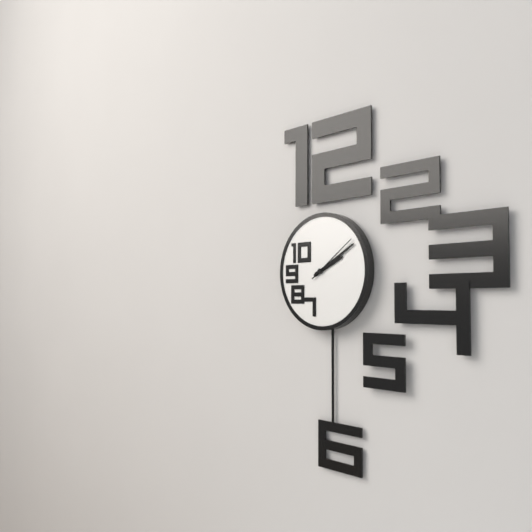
h=2 m=10 s=9
